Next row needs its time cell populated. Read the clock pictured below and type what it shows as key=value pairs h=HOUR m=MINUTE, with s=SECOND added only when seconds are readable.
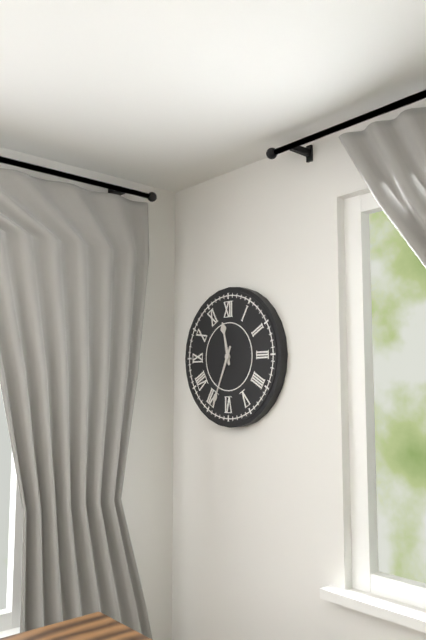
h=11 m=34
